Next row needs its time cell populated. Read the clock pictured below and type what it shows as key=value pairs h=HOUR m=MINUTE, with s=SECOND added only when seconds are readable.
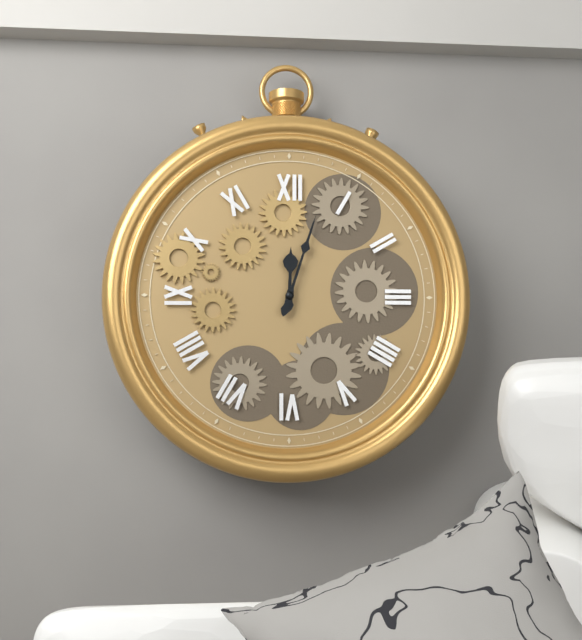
h=12 m=3
